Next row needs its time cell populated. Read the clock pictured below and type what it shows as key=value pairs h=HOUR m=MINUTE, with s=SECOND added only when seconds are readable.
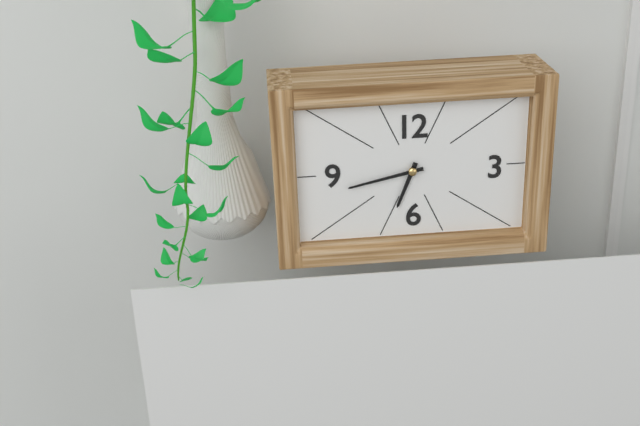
h=6 m=43
